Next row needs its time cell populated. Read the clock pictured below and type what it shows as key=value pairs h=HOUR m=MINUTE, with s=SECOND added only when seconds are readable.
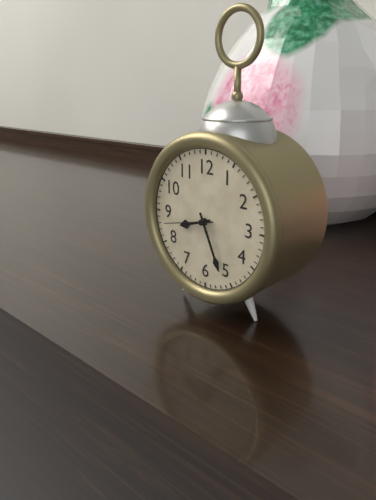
h=8 m=26
